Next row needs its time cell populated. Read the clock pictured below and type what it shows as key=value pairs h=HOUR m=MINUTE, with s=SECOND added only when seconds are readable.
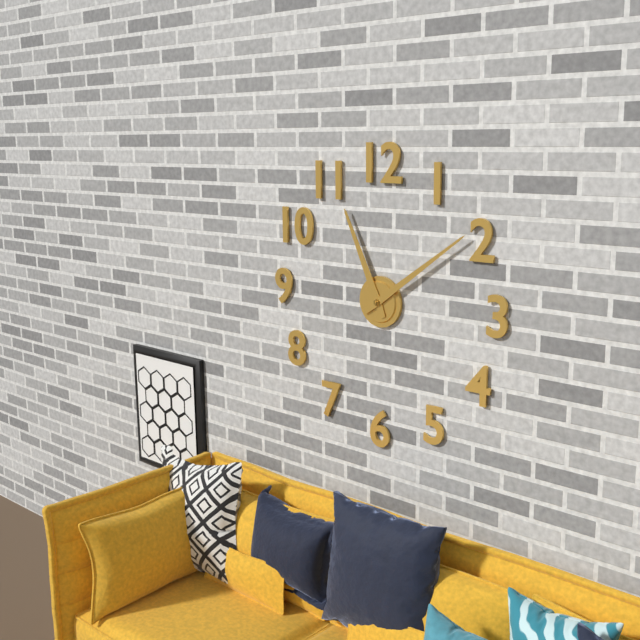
h=11 m=9
